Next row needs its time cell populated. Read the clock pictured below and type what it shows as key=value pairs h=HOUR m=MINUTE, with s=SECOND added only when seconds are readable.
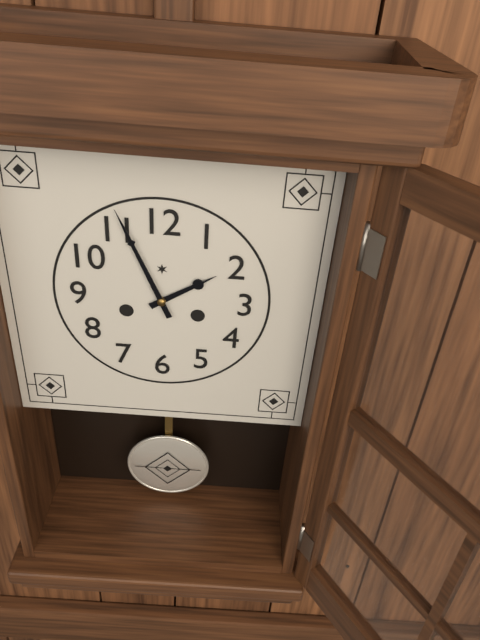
h=1 m=56
